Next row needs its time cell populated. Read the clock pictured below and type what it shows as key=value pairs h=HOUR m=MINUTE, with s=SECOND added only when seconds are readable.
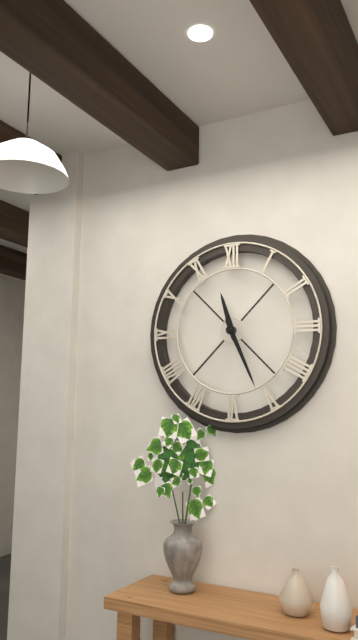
h=11 m=26
